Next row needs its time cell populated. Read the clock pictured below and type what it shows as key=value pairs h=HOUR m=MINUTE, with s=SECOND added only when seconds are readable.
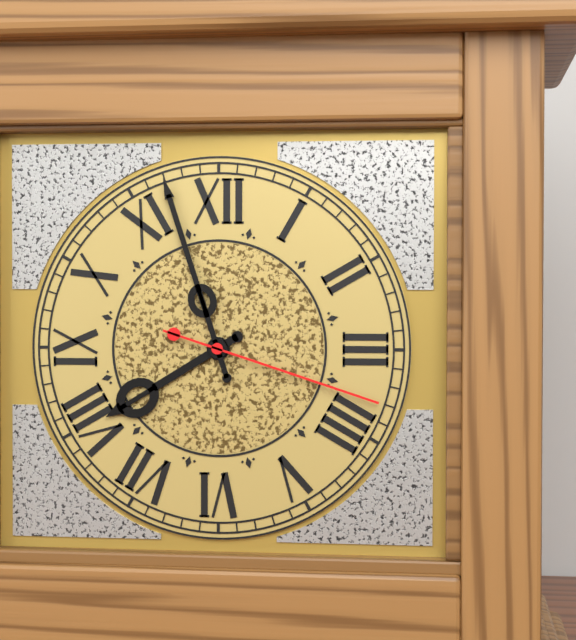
h=7 m=57 s=18
